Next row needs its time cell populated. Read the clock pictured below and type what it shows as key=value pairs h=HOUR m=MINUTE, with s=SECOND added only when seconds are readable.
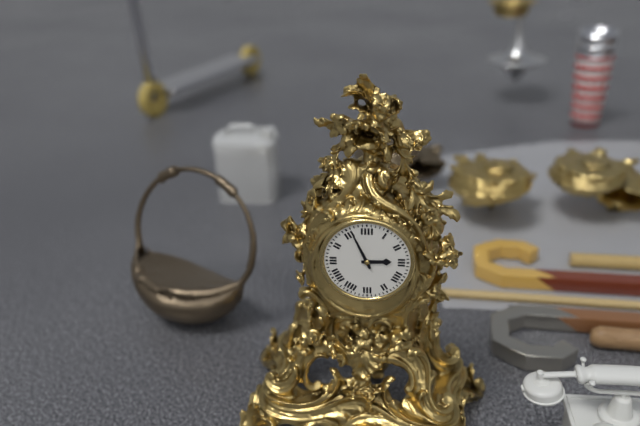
h=2 m=56
